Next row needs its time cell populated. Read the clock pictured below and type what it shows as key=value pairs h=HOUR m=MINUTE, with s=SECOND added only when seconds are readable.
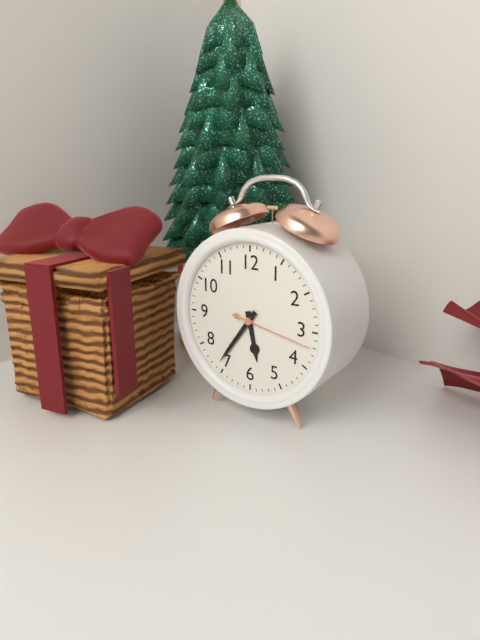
h=5 m=36 s=17
